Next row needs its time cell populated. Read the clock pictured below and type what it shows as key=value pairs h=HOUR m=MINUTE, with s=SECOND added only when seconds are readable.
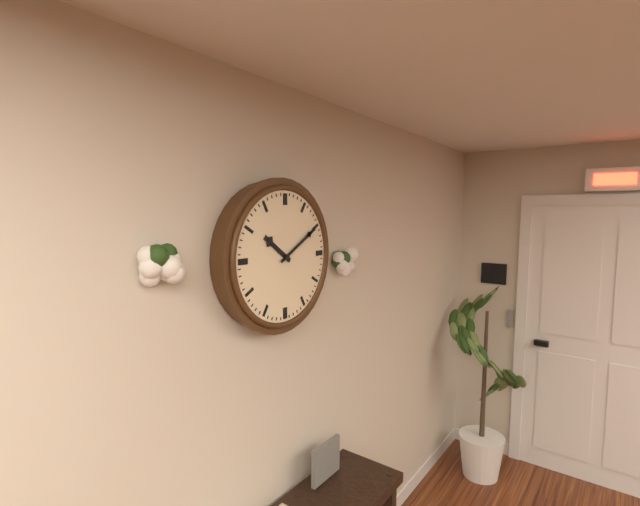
h=10 m=10
